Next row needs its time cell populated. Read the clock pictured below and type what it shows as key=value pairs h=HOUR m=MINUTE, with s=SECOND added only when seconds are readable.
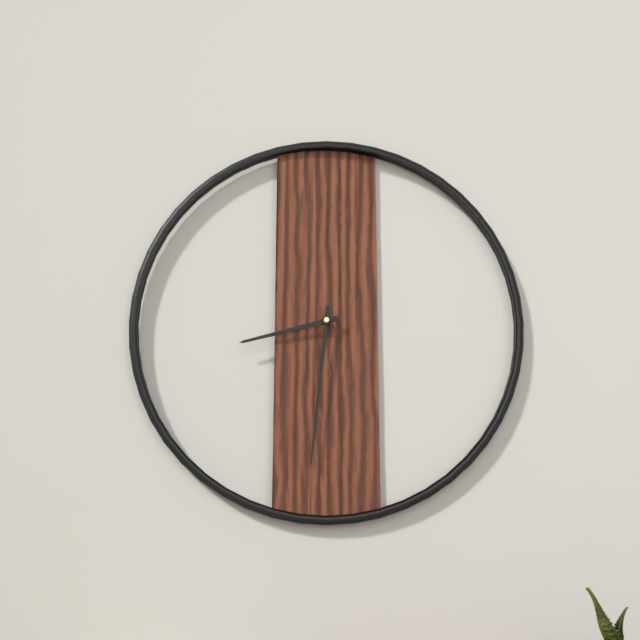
h=8 m=31
